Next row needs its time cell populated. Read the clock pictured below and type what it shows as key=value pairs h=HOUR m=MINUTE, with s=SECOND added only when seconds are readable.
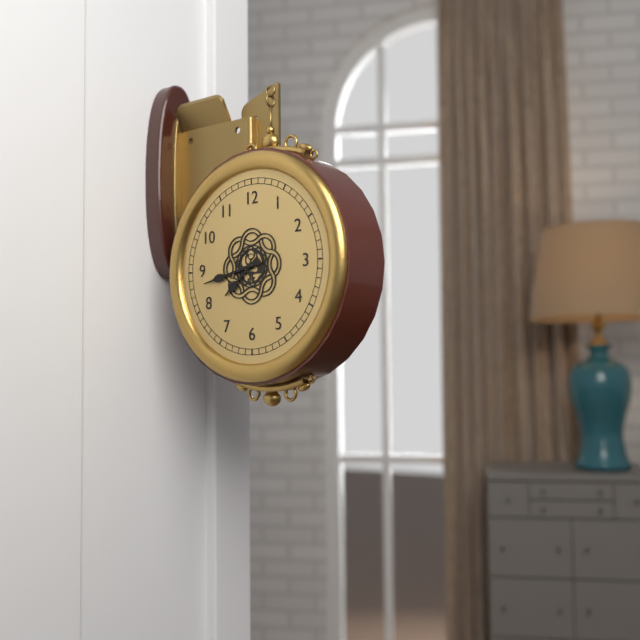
h=7 m=43
